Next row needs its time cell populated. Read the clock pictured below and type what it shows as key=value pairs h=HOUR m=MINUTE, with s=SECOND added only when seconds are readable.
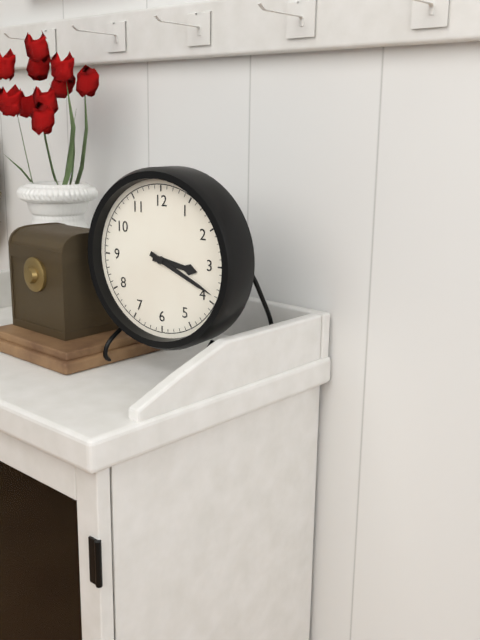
h=3 m=19
